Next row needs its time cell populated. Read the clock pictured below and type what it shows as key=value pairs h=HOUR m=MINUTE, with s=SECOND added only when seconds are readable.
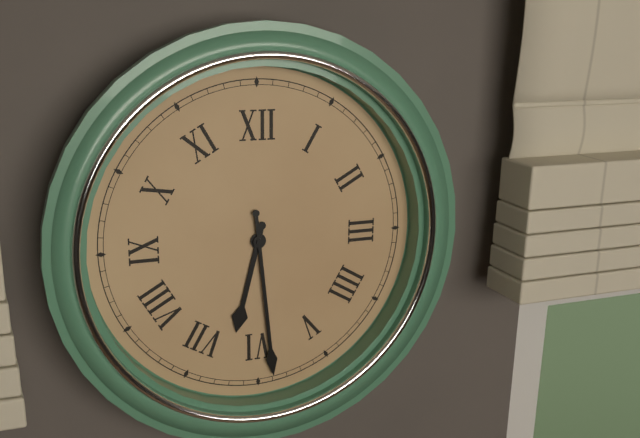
h=6 m=29
